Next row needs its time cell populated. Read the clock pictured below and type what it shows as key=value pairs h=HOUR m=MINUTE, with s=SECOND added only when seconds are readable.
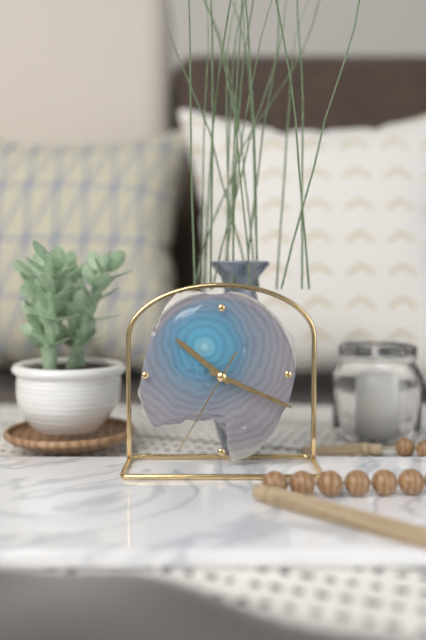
h=10 m=19 s=35
